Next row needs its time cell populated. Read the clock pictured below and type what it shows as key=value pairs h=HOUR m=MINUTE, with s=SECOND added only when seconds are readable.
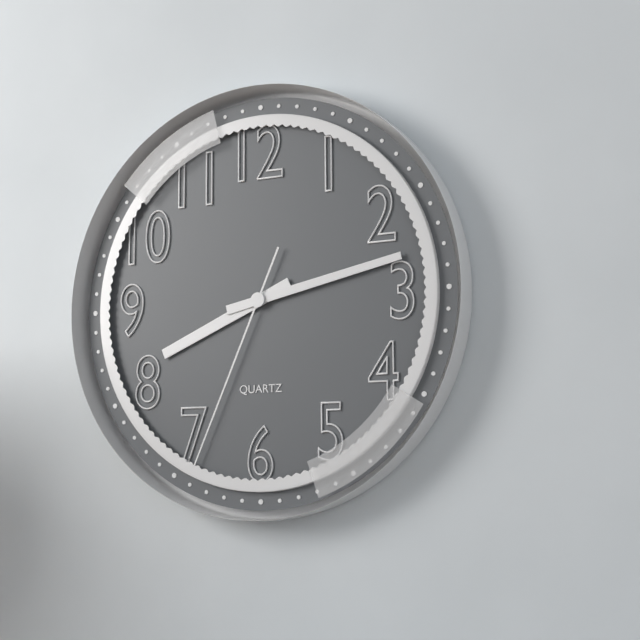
h=8 m=13 s=34
